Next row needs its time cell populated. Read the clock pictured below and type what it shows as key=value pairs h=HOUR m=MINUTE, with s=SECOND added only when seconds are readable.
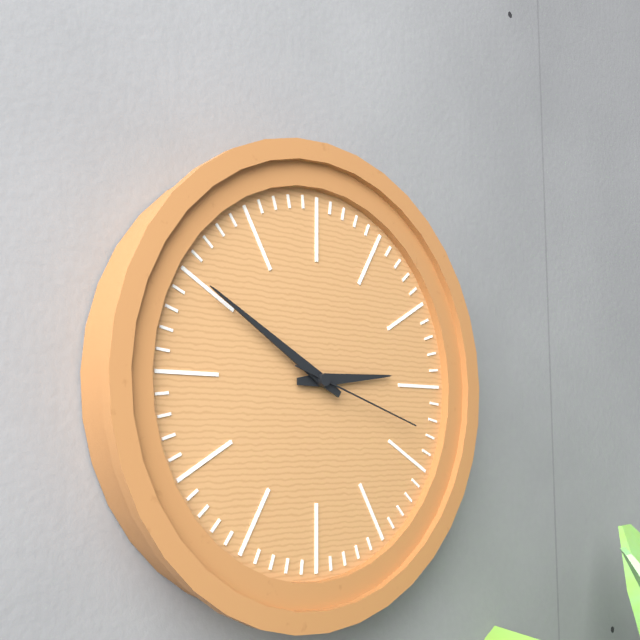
h=2 m=50 s=18
